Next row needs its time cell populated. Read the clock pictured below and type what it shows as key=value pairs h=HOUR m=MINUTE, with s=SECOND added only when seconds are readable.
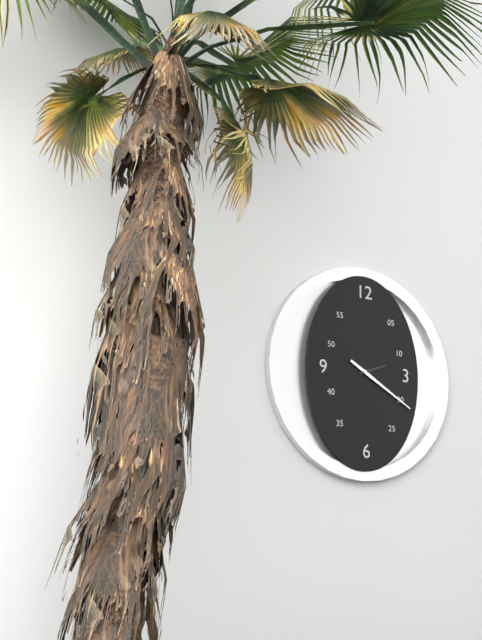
h=2 m=20
